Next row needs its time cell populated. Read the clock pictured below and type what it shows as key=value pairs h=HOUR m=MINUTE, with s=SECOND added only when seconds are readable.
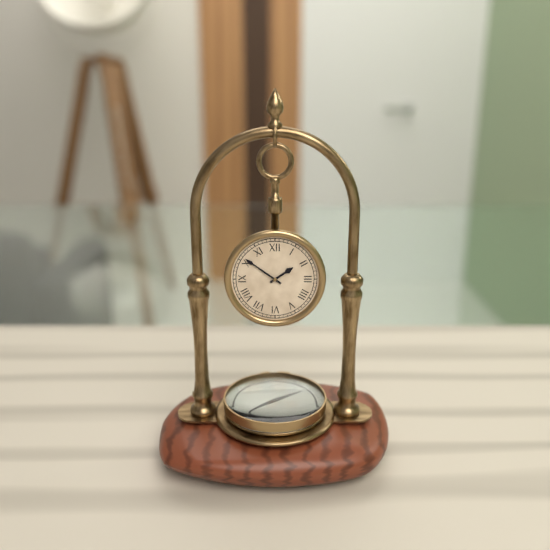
h=1 m=51
